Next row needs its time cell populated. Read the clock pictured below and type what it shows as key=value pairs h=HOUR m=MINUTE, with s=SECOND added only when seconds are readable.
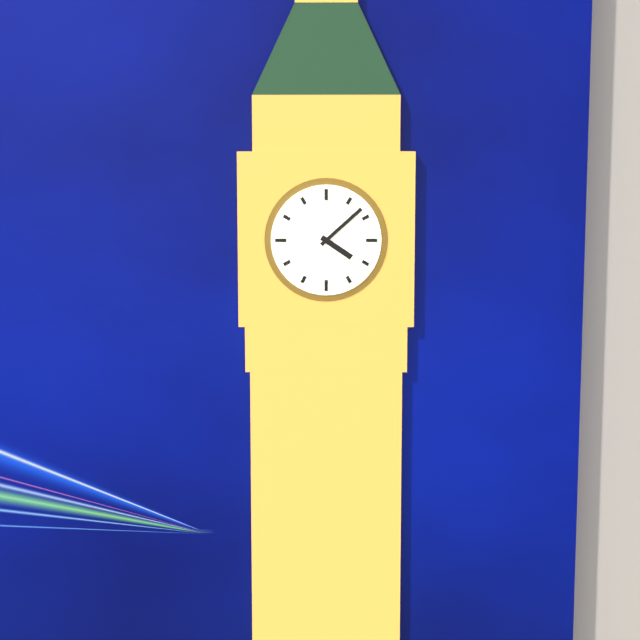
h=4 m=8
